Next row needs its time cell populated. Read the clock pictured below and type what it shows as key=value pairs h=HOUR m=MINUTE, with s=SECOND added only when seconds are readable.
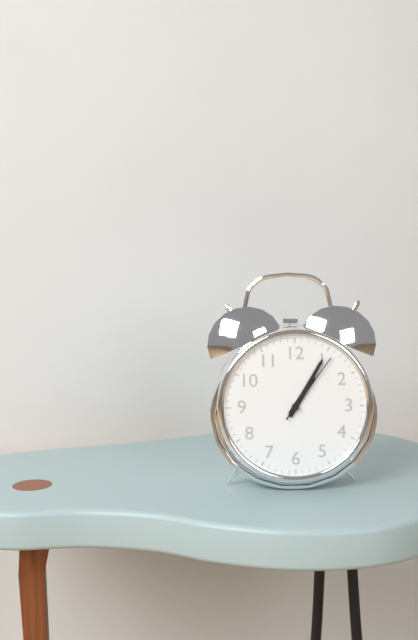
h=1 m=5 s=6
